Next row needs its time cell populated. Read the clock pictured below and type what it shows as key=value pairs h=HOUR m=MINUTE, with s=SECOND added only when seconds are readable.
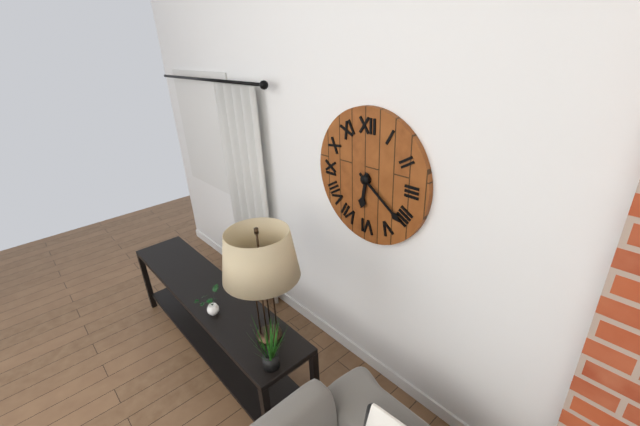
h=6 m=21
